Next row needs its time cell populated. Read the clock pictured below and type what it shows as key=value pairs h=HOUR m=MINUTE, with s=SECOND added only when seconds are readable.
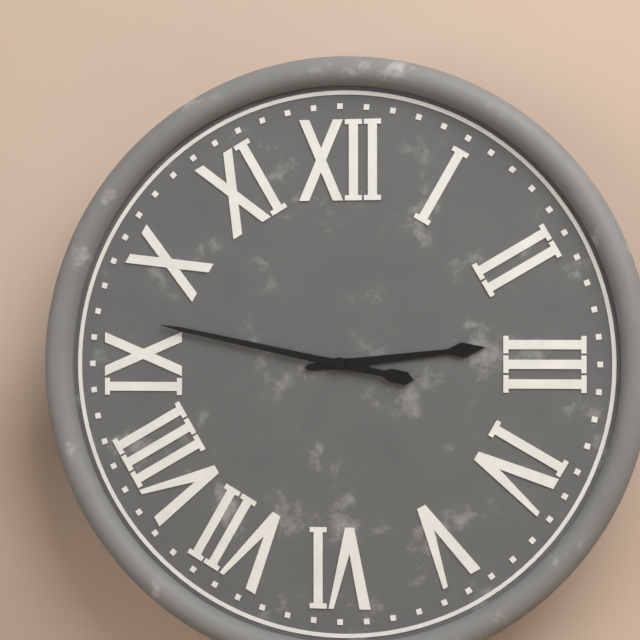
h=2 m=47
